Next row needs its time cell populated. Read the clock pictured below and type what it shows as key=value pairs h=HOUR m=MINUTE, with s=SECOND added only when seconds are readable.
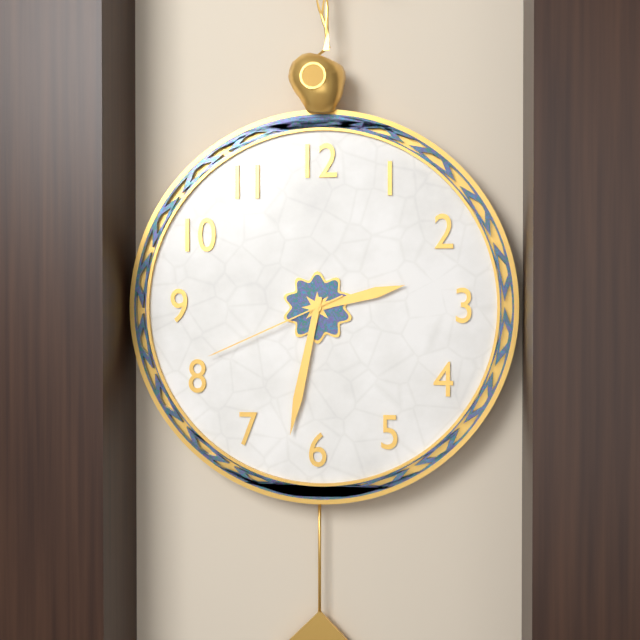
h=2 m=32 s=41
